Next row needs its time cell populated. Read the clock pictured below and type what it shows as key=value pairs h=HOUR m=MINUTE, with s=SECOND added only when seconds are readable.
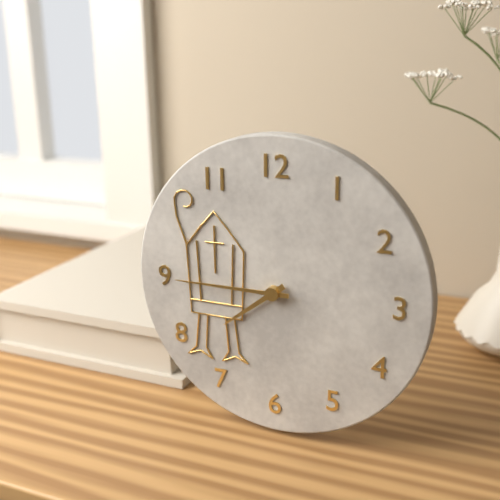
h=7 m=45
